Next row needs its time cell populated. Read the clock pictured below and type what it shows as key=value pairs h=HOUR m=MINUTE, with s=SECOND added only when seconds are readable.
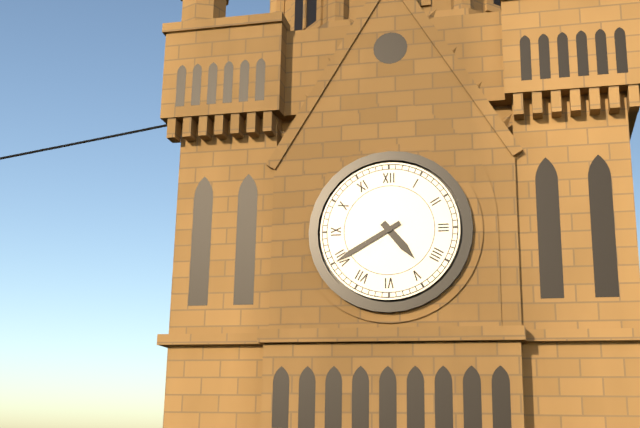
h=4 m=40
